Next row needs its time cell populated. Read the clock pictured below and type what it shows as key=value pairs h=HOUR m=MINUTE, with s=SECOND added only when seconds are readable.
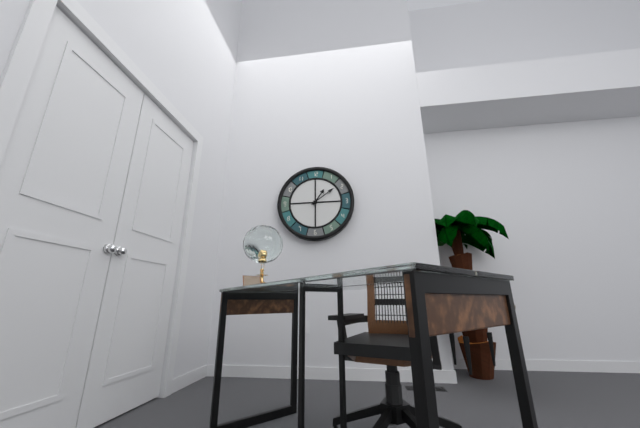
h=1 m=9
